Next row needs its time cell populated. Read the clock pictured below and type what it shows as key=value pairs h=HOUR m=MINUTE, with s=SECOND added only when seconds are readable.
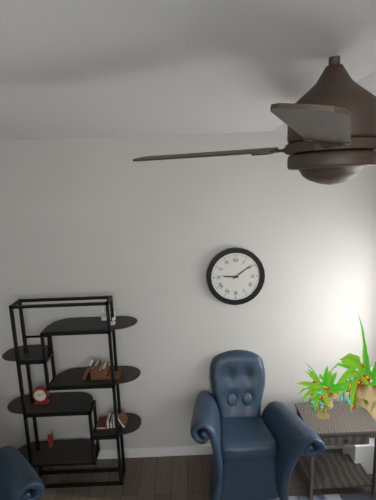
h=9 m=9
